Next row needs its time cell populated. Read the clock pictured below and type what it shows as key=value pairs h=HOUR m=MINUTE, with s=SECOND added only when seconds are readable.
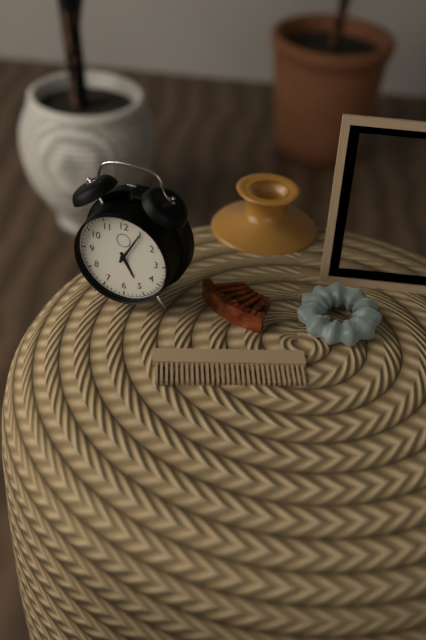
h=5 m=5
